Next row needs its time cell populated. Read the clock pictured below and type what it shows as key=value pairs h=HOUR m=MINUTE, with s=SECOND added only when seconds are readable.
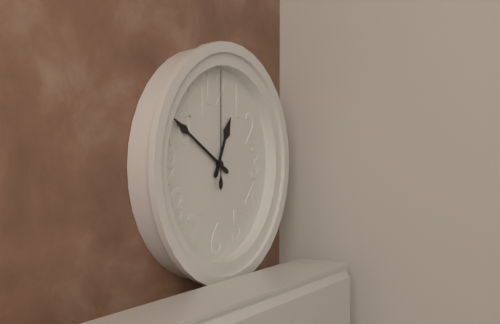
h=12 m=50 s=0
